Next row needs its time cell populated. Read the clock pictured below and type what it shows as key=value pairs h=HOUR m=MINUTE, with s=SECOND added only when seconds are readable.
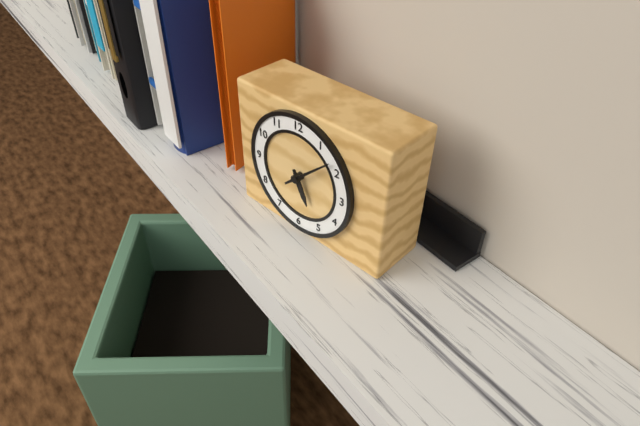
h=5 m=8
